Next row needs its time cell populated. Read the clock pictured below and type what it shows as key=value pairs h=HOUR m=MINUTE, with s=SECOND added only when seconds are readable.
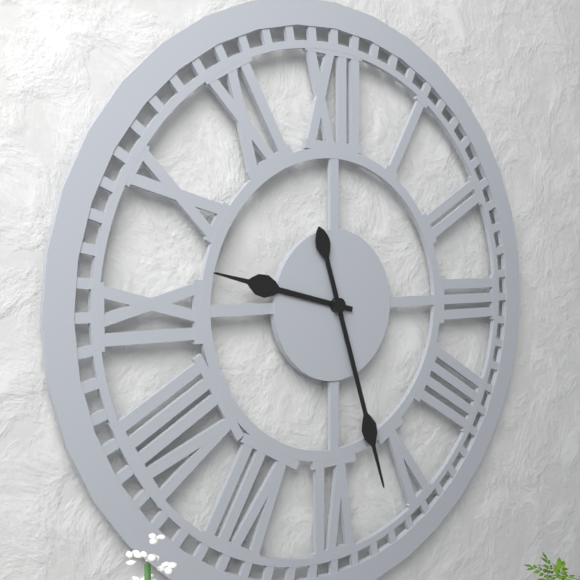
h=9 m=27
